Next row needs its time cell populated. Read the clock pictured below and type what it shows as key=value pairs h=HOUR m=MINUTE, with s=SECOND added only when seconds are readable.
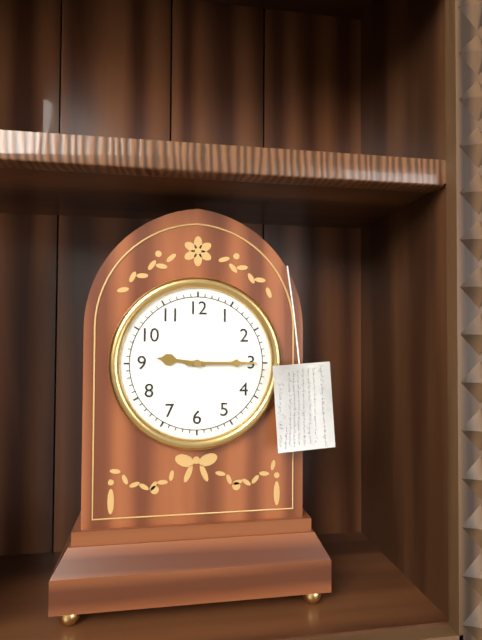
h=9 m=15
